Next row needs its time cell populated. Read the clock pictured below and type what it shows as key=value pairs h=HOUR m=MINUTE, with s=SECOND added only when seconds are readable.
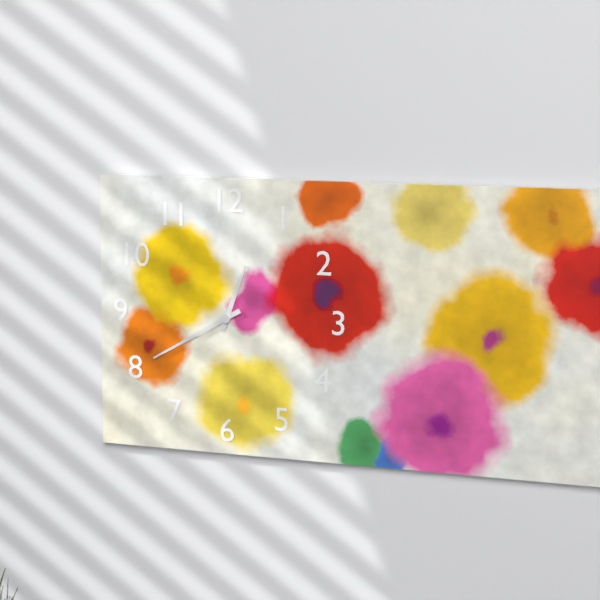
h=12 m=40
